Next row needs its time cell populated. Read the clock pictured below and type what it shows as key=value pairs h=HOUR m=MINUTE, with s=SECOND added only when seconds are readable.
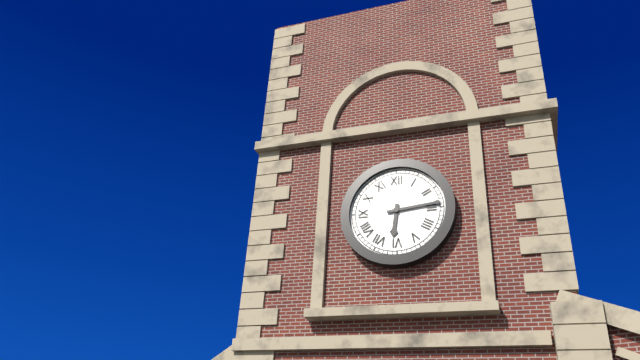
h=6 m=14
